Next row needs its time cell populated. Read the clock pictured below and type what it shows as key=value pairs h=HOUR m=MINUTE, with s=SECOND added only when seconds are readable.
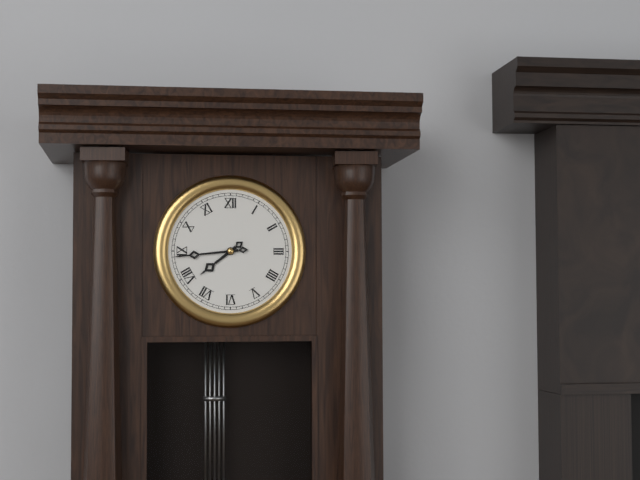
h=7 m=44
